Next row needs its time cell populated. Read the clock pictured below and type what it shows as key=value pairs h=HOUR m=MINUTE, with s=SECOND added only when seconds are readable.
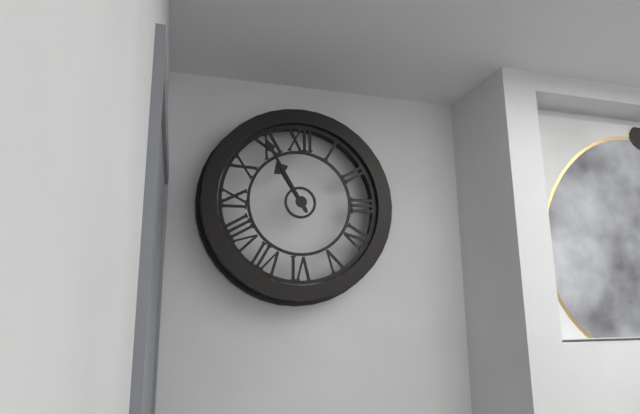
h=10 m=55
